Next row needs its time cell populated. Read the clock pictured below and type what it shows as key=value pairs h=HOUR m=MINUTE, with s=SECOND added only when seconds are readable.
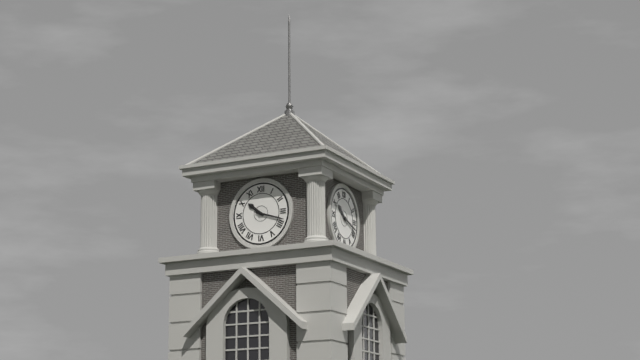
h=10 m=18
